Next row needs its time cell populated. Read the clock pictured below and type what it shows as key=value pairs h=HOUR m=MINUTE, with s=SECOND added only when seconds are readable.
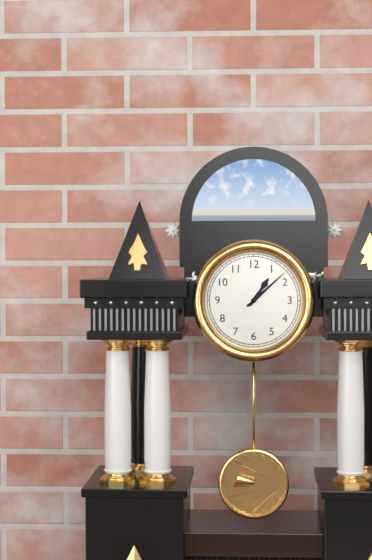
h=1 m=8
